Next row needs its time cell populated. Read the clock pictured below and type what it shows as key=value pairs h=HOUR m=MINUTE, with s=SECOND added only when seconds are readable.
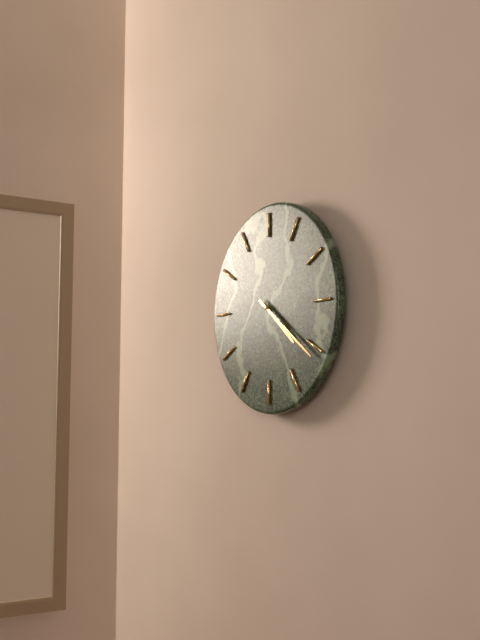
h=4 m=21
